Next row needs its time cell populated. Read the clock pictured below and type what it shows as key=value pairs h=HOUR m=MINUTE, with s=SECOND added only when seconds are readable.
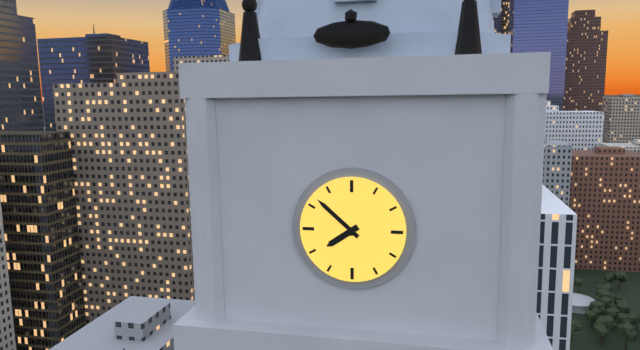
h=7 m=52
